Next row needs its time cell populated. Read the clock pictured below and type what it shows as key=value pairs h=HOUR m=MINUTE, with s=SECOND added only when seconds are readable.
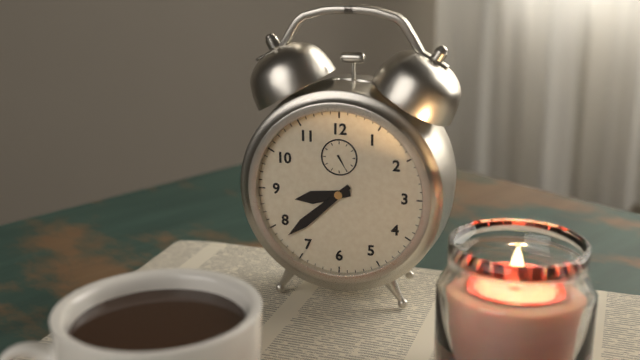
h=8 m=38
